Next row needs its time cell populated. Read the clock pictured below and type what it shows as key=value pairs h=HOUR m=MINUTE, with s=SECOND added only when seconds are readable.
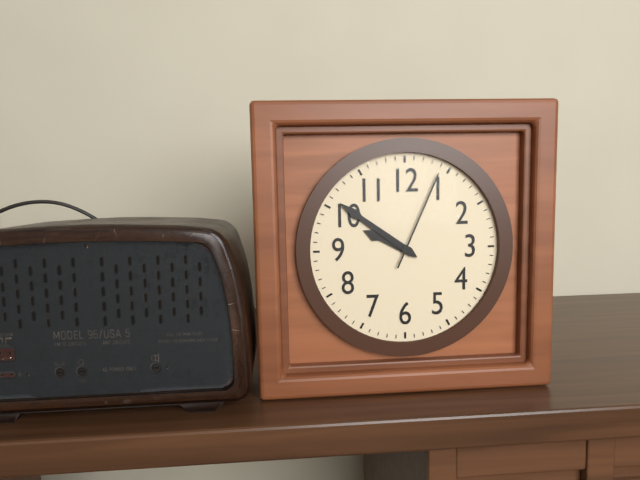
h=9 m=51 s=4
